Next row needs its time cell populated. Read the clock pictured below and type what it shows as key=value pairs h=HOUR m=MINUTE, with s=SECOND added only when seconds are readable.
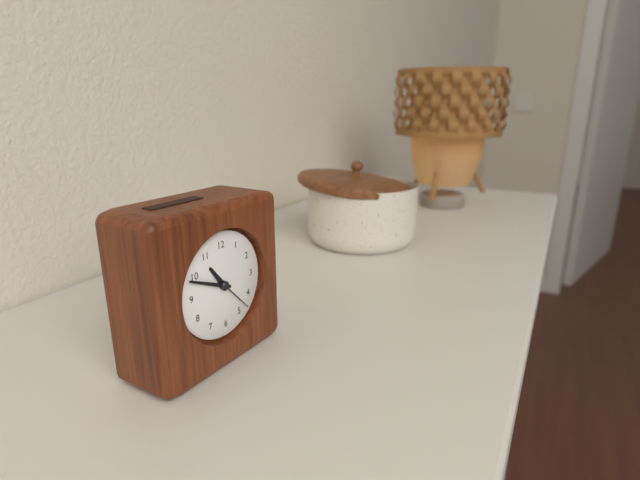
h=10 m=49
